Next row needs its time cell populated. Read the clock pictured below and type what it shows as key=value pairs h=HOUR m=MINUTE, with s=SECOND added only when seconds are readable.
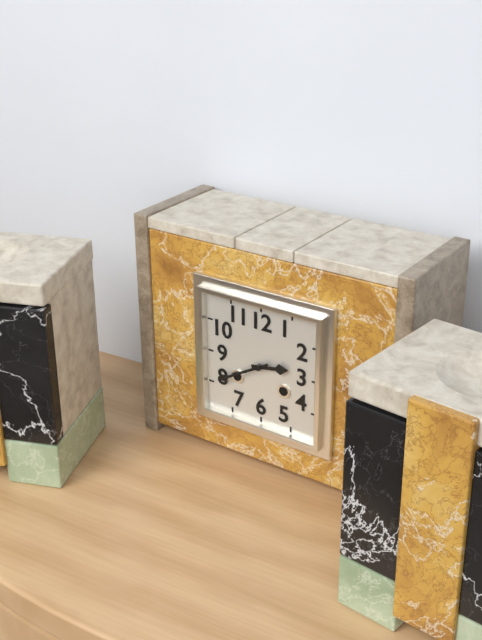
h=2 m=40
